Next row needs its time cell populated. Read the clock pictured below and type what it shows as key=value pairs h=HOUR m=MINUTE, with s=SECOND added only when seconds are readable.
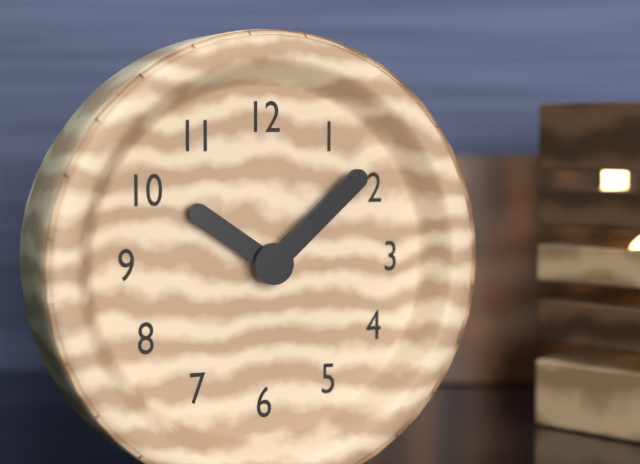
h=10 m=8
